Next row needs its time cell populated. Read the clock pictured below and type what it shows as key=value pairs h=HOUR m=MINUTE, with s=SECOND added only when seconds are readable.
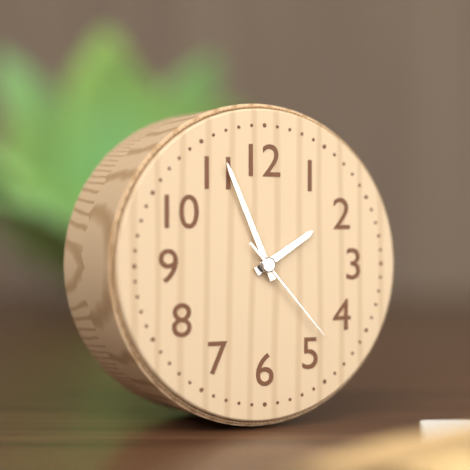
h=1 m=56 s=23
